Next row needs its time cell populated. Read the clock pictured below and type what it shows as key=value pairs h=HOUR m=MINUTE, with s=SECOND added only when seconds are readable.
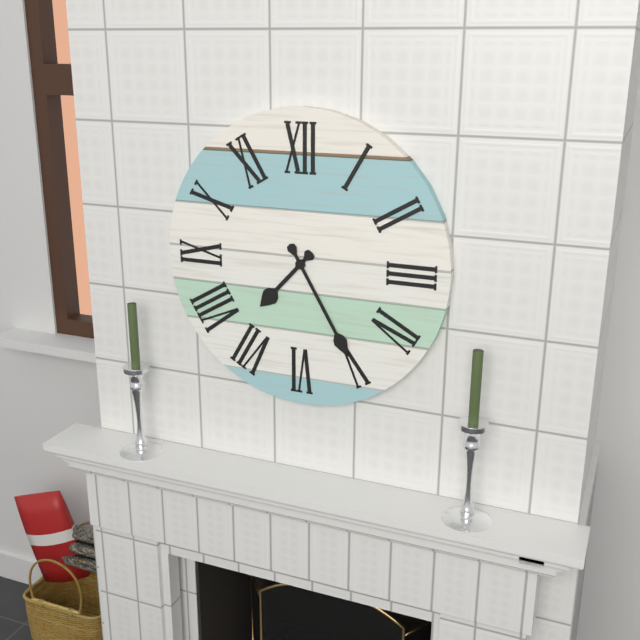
h=7 m=25
